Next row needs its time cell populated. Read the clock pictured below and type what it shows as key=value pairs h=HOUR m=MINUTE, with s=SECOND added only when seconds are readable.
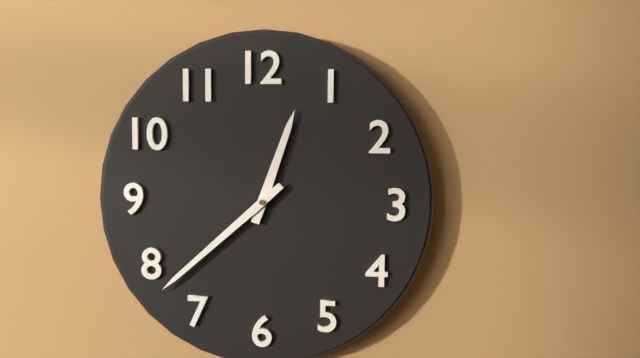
h=12 m=38
